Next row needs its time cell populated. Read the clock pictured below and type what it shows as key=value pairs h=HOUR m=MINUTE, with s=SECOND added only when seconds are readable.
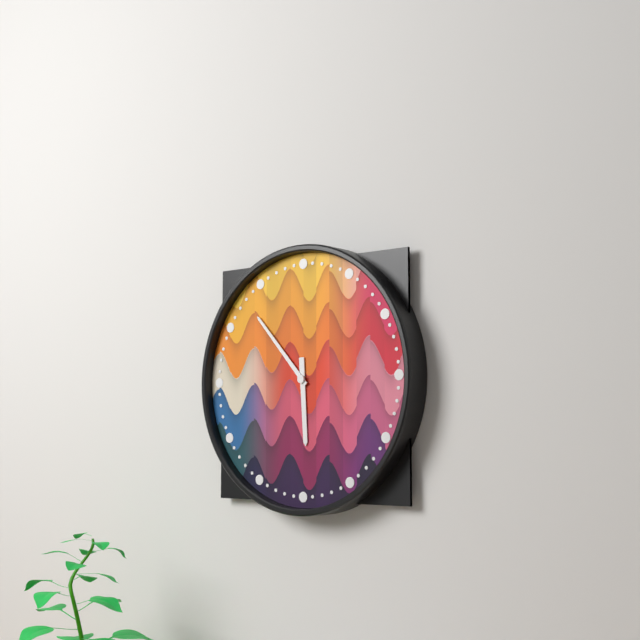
h=5 m=53
